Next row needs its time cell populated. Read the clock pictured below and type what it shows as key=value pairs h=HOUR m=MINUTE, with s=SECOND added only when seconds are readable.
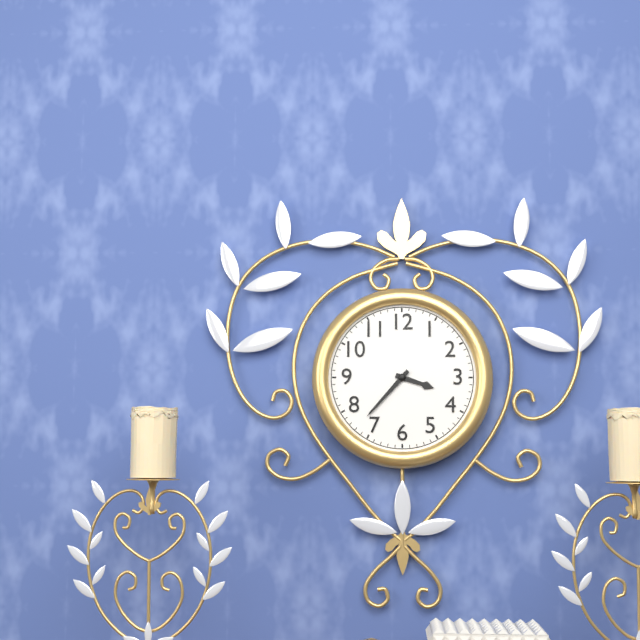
h=3 m=37
